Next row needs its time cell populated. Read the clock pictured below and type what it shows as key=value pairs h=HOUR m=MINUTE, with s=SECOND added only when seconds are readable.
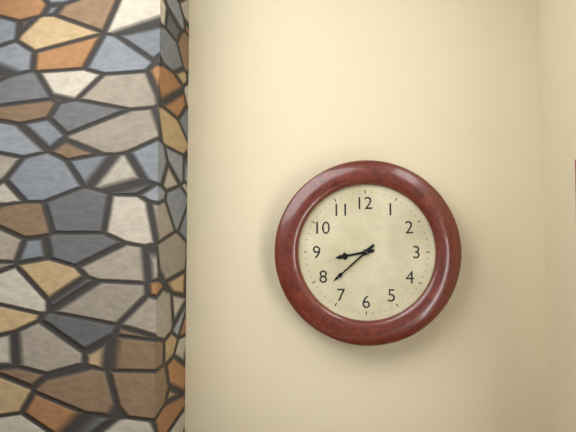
h=8 m=38
